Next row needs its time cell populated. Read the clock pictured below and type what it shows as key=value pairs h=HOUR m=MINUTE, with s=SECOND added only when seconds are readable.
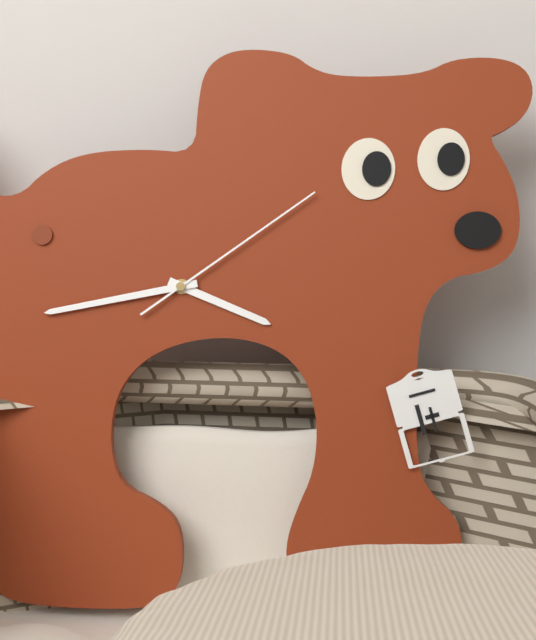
h=3 m=43 s=9
